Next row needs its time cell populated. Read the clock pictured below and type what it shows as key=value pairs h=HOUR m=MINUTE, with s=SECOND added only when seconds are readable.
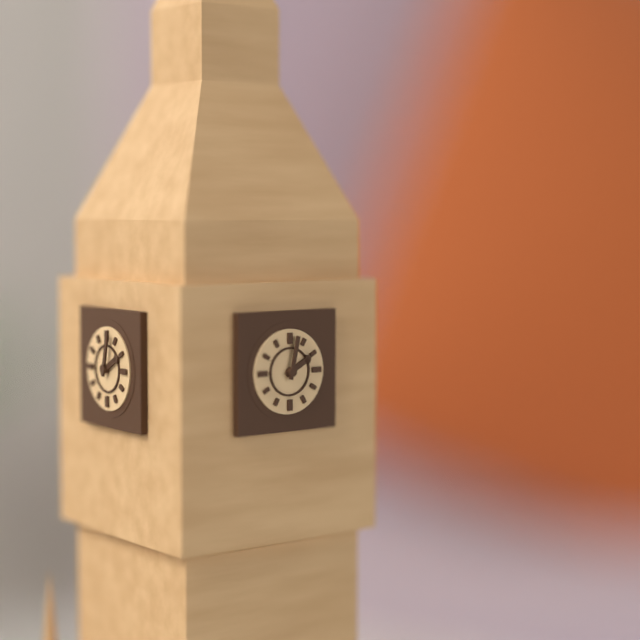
h=2 m=2
